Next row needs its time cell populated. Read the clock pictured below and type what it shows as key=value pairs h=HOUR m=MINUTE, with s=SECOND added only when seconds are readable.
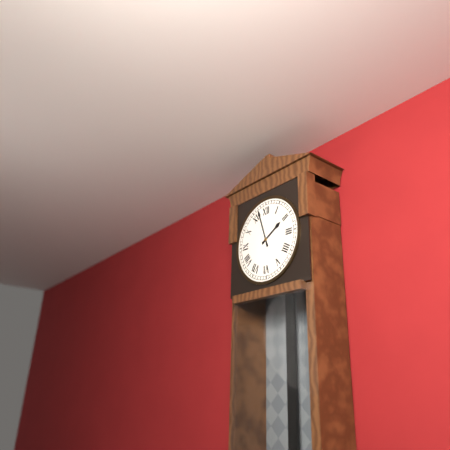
h=1 m=57
